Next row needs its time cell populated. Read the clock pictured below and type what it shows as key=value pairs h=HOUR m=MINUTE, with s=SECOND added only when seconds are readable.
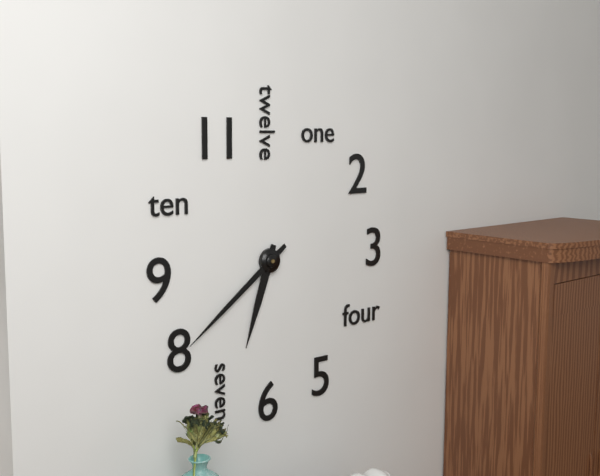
h=6 m=39
